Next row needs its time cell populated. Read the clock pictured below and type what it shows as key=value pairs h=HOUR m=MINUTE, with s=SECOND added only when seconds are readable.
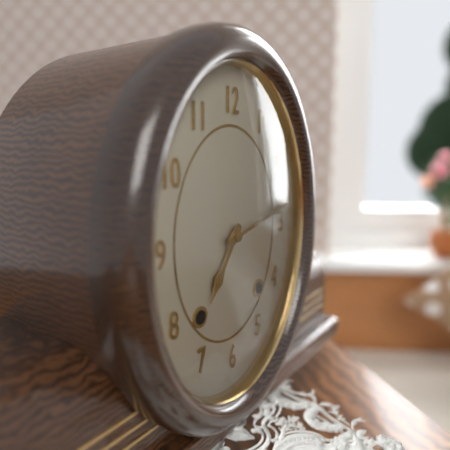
h=7 m=13
